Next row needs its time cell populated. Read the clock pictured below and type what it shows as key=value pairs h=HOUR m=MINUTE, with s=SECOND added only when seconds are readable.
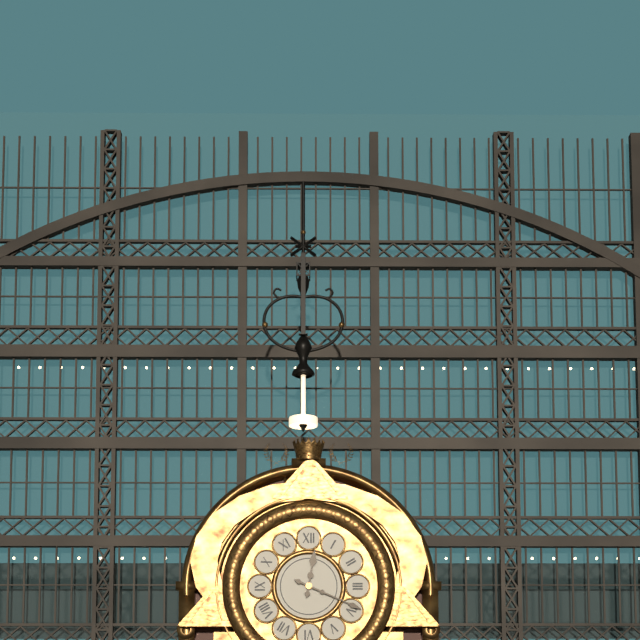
h=12 m=19
